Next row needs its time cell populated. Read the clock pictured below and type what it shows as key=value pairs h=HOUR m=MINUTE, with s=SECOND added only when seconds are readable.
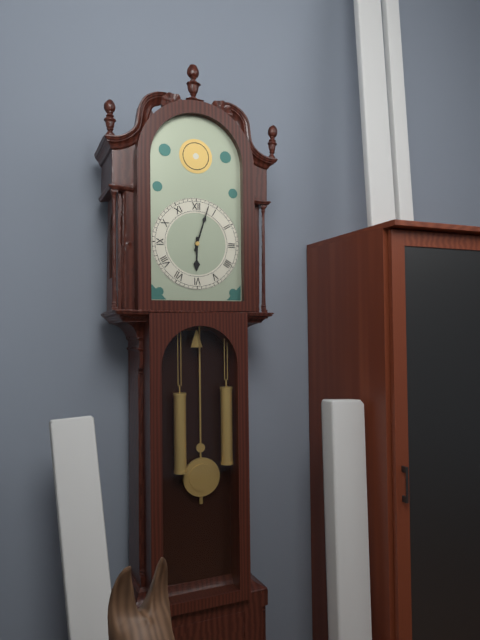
h=6 m=3
